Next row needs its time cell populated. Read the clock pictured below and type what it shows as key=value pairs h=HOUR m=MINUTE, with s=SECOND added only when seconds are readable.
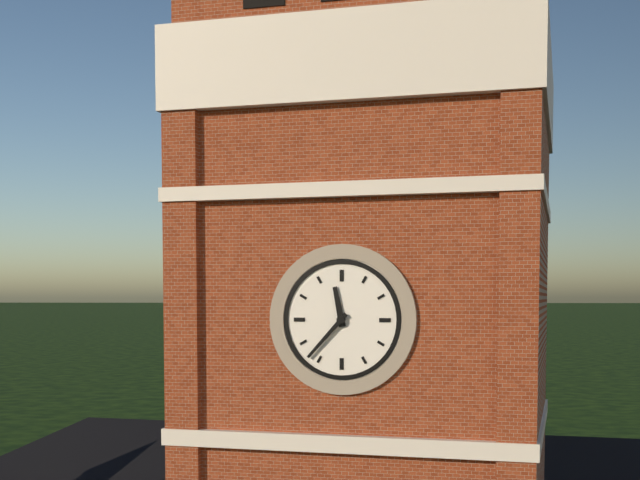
h=11 m=37
